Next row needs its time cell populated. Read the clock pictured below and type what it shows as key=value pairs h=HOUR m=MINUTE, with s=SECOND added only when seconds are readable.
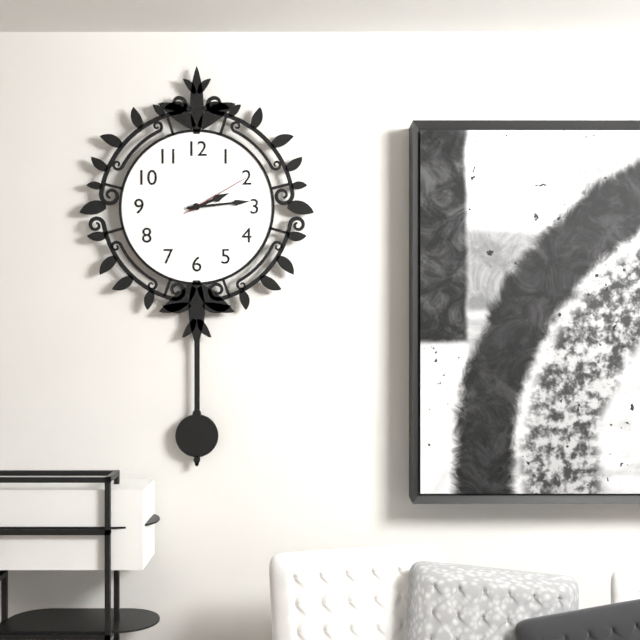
h=2 m=14 s=10
